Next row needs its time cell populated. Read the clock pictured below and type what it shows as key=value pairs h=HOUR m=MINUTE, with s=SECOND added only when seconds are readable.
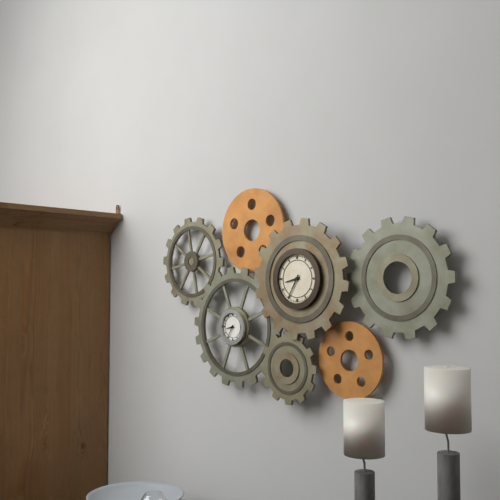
h=8 m=35
